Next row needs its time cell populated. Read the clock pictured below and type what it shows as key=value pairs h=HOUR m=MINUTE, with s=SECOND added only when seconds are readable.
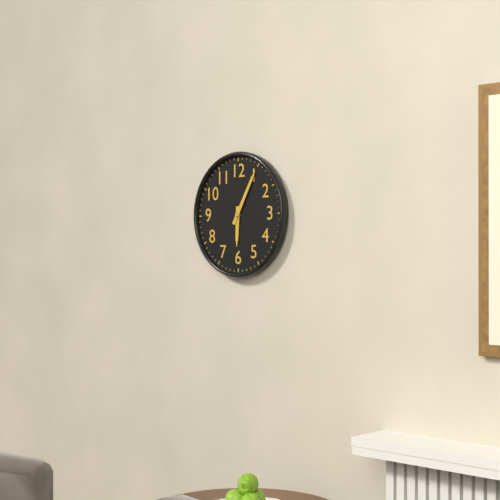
h=6 m=5
